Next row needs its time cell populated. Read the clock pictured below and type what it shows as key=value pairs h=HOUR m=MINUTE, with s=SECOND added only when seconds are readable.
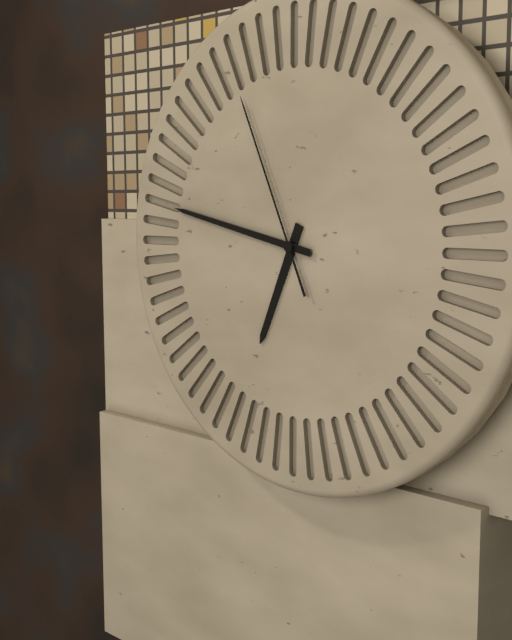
h=6 m=47 s=56
